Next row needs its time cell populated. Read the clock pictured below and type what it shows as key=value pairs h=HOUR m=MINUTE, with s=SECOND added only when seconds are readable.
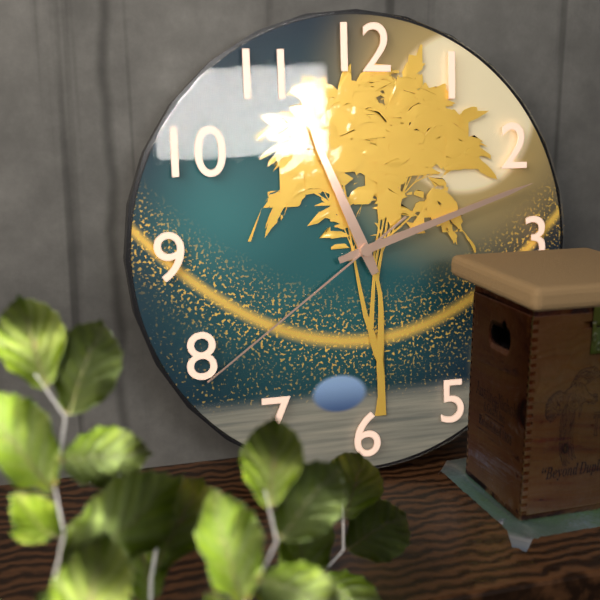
h=11 m=12 s=39
